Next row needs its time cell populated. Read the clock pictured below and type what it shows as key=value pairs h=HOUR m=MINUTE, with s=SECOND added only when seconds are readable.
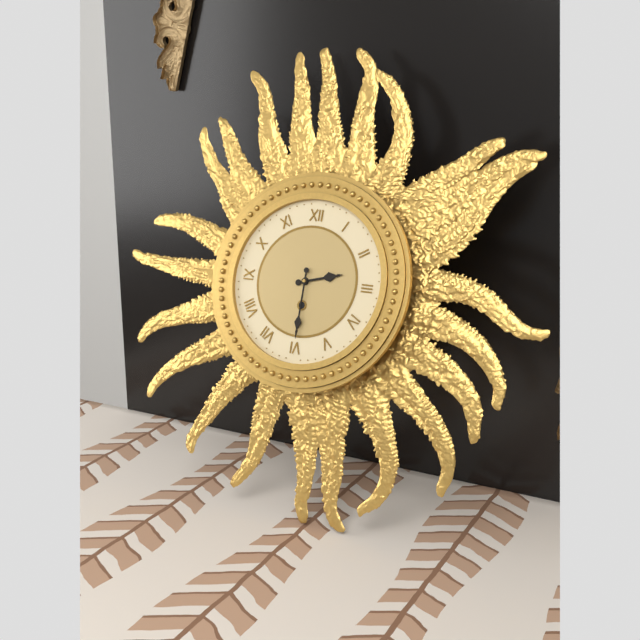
h=2 m=30
